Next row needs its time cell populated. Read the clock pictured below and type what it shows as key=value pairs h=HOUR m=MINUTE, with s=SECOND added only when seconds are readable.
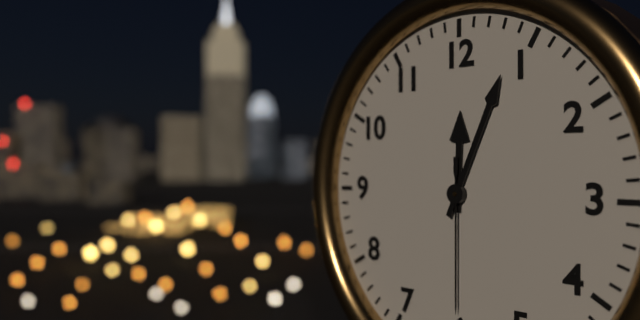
h=12 m=4 s=30
